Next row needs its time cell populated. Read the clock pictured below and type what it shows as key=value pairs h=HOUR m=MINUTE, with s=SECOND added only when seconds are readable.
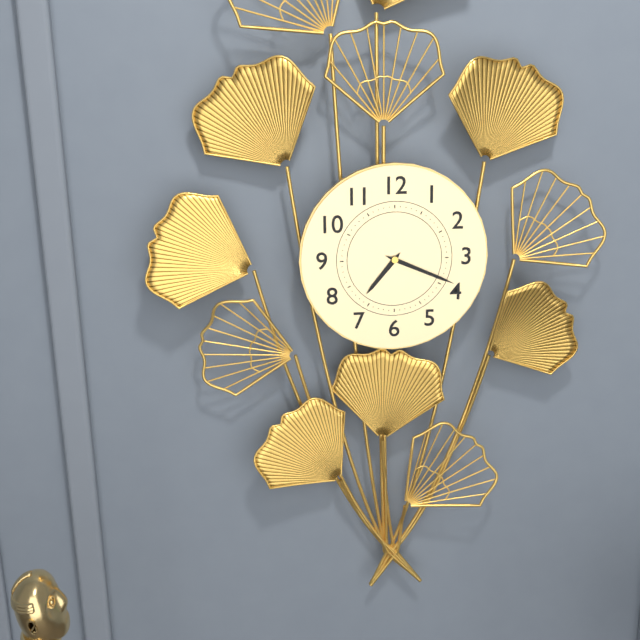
h=7 m=19
